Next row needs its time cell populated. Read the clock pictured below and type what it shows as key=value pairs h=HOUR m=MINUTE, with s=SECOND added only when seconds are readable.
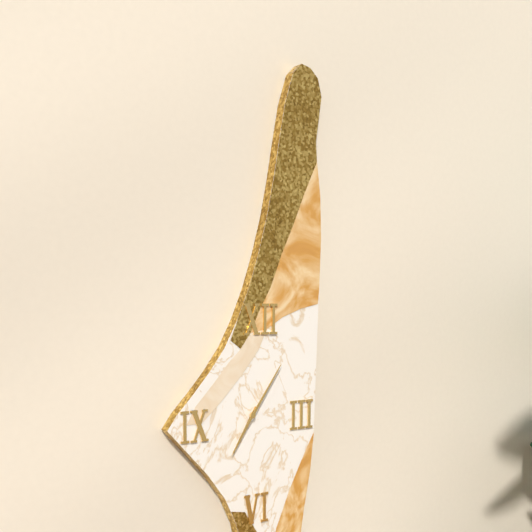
h=7 m=6
